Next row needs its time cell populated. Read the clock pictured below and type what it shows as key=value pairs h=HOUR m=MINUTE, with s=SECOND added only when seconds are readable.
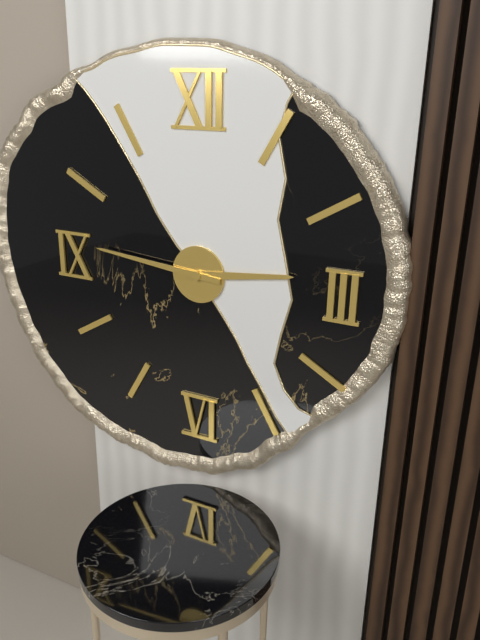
h=2 m=46
